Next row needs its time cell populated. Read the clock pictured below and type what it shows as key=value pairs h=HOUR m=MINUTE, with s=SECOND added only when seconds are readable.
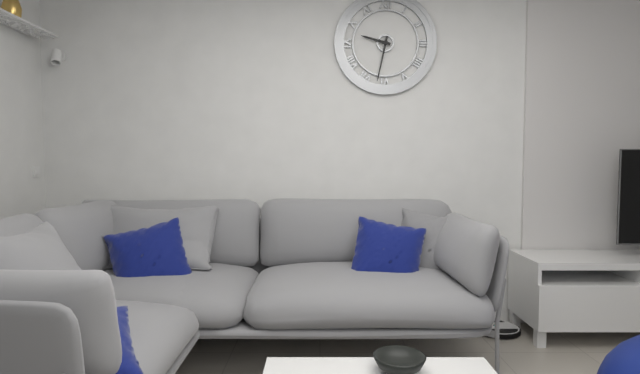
h=9 m=32
